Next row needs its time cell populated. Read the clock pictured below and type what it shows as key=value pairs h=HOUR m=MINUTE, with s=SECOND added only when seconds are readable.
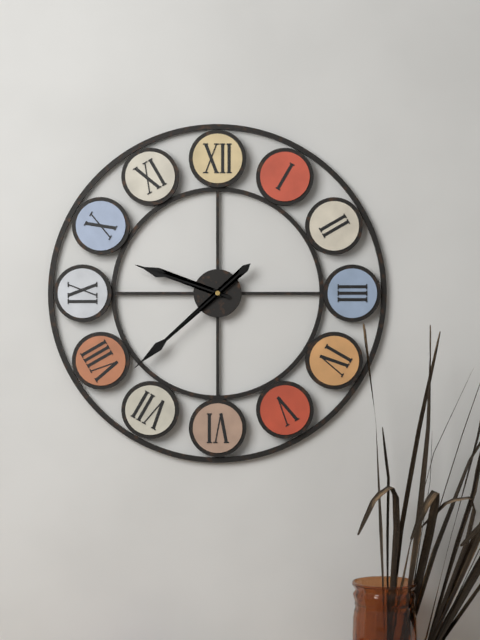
h=9 m=38
